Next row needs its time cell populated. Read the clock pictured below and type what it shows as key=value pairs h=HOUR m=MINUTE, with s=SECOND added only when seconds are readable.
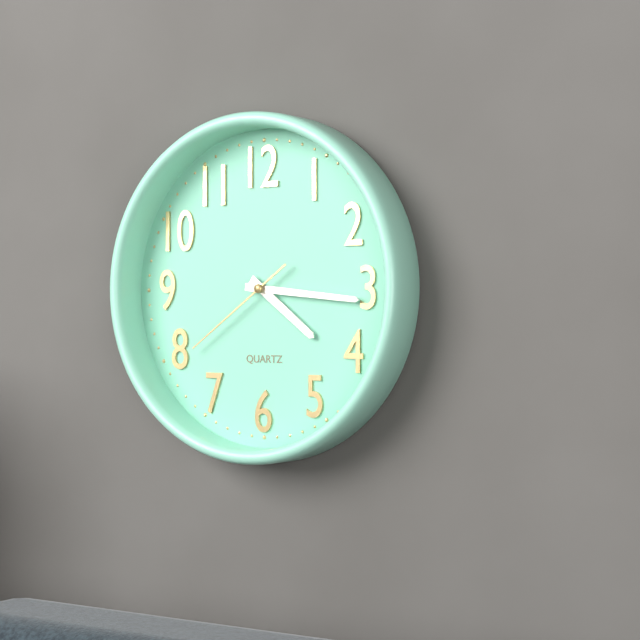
h=4 m=16 s=39
